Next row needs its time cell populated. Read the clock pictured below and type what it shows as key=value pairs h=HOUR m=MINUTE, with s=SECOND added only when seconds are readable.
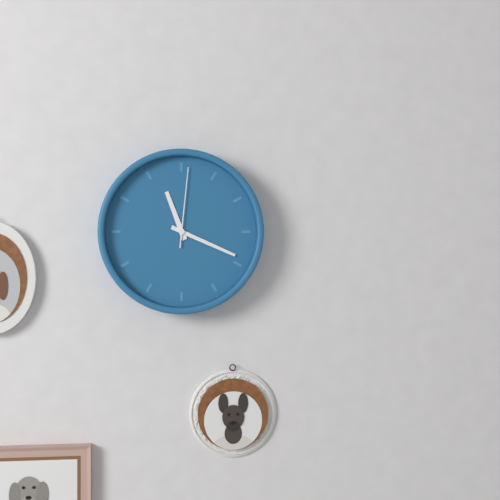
h=11 m=19 s=1
